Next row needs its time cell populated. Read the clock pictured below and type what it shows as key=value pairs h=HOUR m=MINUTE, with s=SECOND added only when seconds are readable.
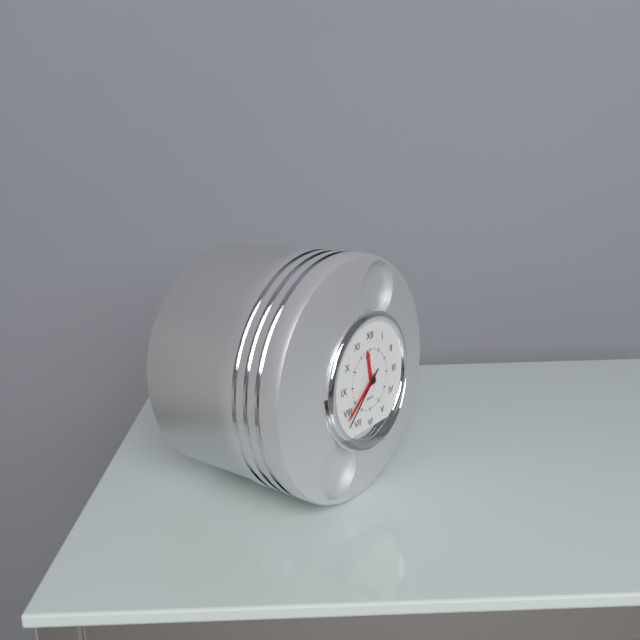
h=11 m=39 s=38
